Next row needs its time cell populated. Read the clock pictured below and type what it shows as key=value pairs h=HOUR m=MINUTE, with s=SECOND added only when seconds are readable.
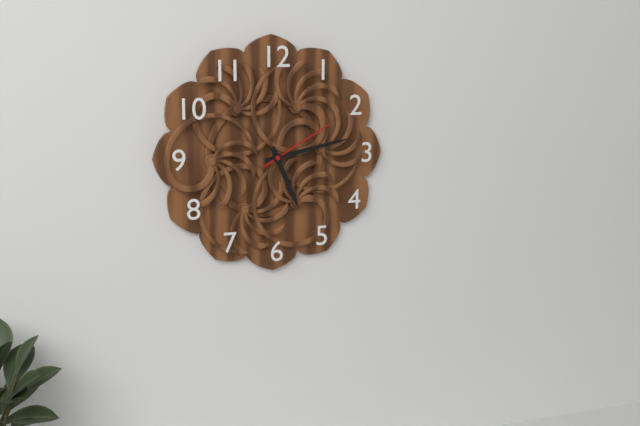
h=5 m=13 s=10
